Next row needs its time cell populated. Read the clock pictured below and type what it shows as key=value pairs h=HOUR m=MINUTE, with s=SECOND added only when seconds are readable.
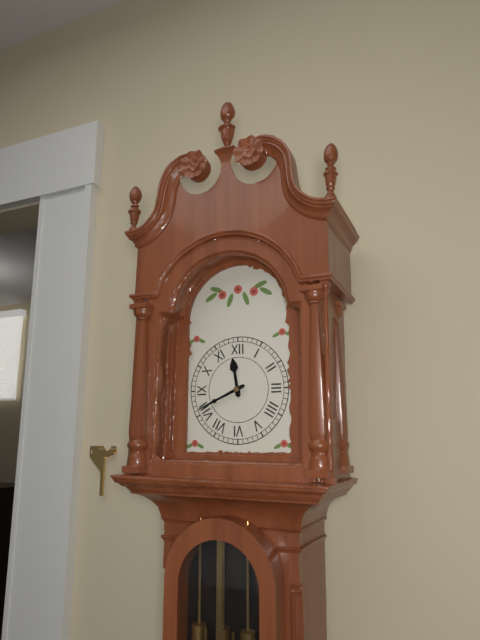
h=11 m=41
